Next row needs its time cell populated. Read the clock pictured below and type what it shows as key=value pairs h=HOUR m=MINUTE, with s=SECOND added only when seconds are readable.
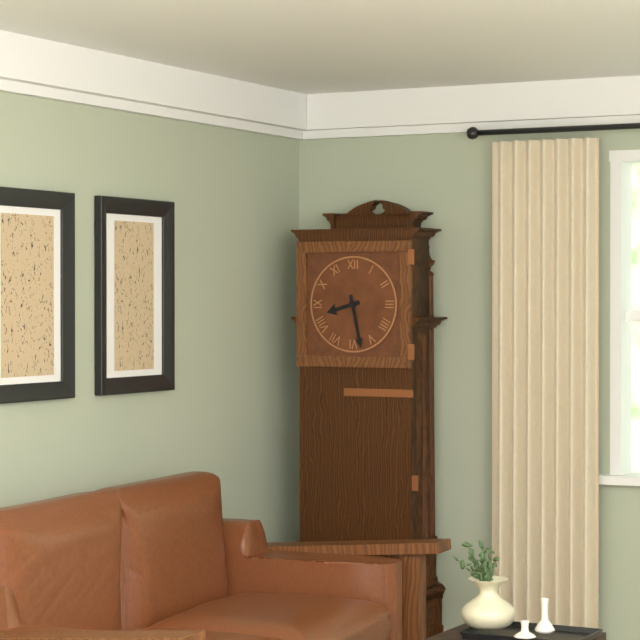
h=8 m=28
